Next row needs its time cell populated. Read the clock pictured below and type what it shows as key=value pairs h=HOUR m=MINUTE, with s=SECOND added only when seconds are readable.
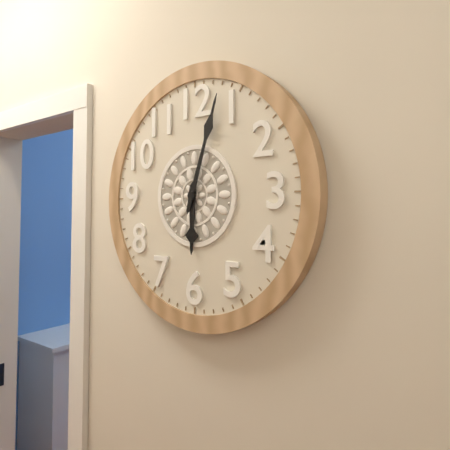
h=6 m=3
